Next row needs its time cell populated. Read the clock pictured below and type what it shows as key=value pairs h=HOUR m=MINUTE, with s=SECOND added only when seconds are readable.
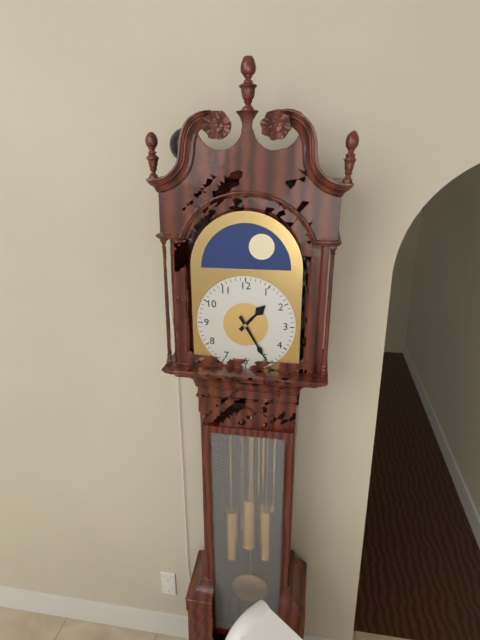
h=1 m=25
